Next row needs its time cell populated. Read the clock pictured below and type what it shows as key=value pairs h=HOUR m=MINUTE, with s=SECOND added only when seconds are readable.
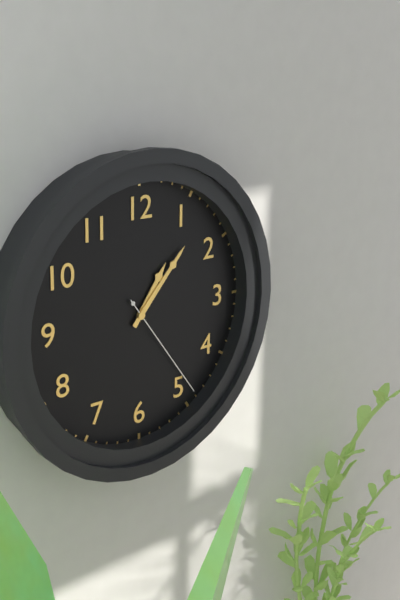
h=1 m=7 s=24
